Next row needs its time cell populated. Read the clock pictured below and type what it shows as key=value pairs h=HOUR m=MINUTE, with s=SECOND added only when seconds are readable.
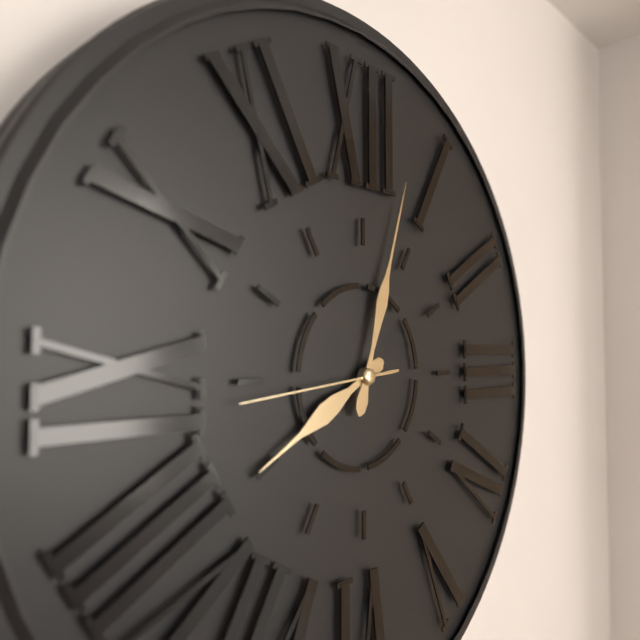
h=8 m=3 s=44
